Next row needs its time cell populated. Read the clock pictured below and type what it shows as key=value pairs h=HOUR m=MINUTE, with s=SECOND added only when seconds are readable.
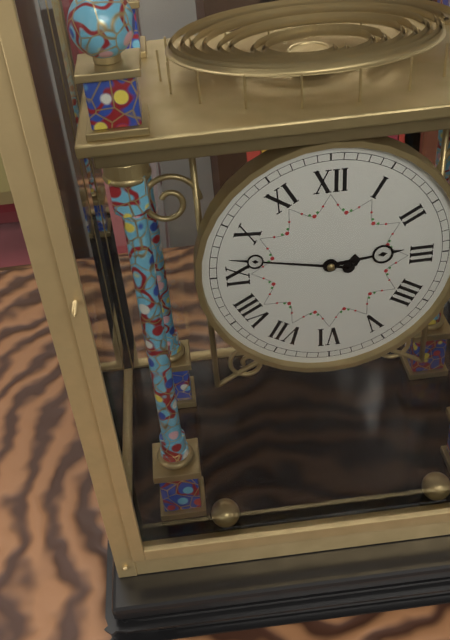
h=2 m=47
